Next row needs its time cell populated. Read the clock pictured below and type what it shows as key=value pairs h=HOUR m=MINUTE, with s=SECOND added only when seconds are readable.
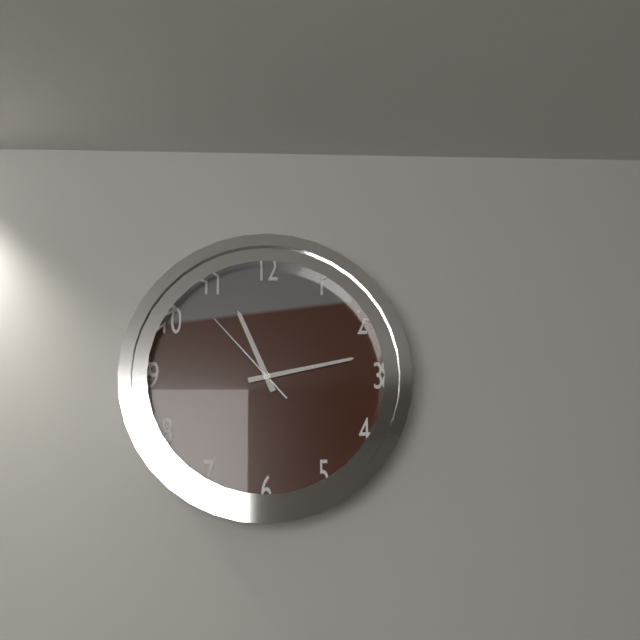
h=11 m=13 s=53
